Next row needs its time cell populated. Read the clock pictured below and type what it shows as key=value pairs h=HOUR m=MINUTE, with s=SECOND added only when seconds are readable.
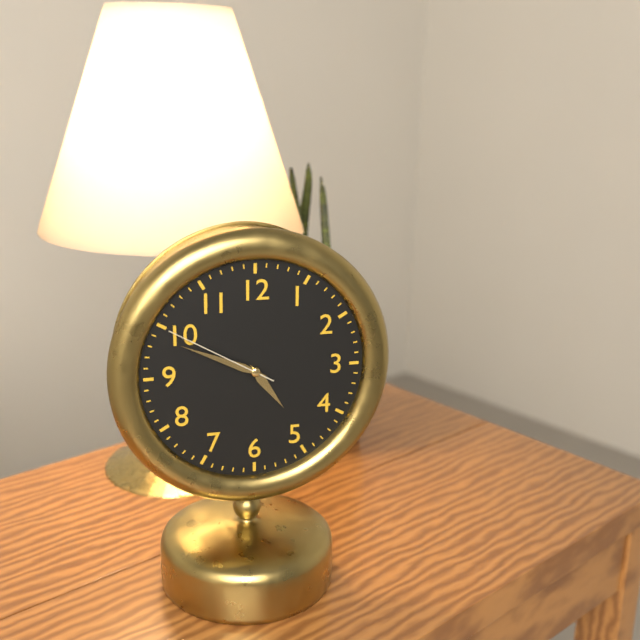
h=4 m=49 s=50
